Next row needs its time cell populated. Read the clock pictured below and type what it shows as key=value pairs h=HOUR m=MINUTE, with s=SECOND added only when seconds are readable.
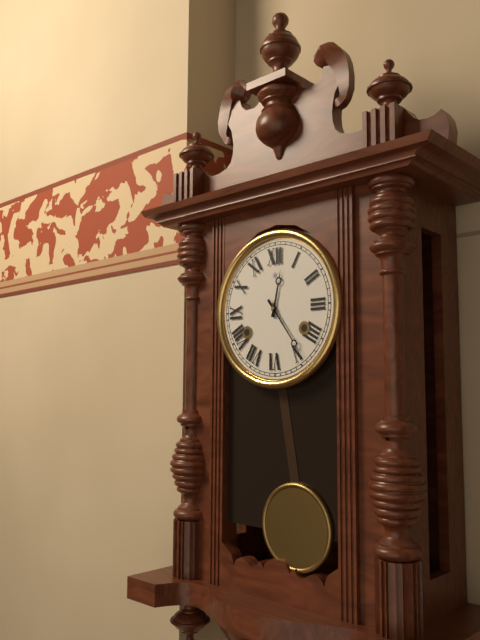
h=12 m=24
